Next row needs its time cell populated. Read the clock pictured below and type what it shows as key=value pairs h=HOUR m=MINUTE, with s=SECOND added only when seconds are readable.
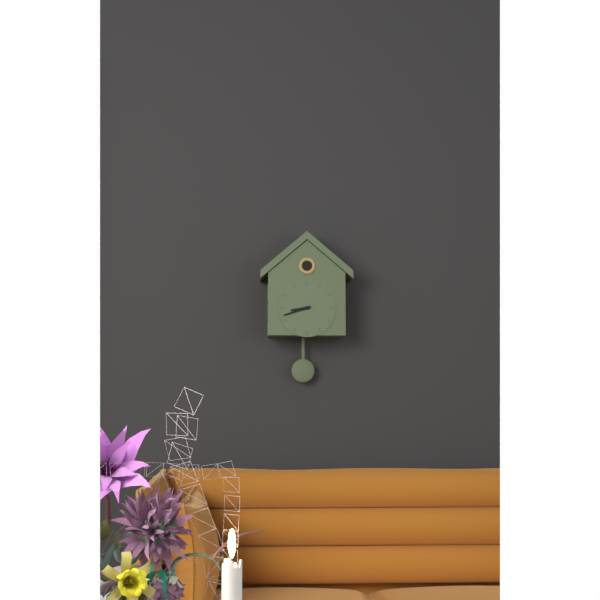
h=8 m=42
